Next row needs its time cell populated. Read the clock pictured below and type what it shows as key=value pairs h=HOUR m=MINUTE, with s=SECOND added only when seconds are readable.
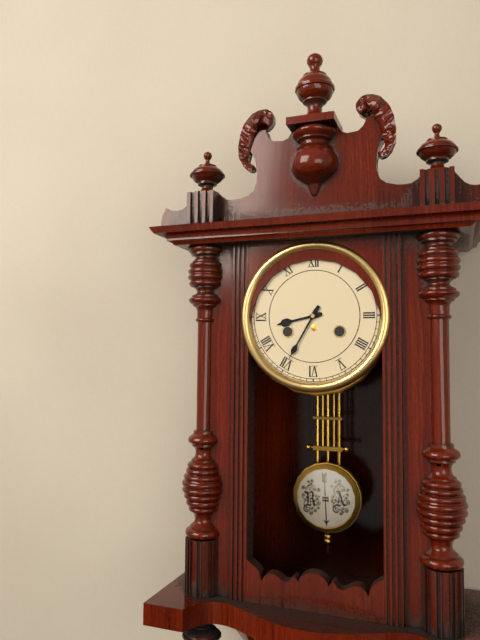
h=8 m=35
